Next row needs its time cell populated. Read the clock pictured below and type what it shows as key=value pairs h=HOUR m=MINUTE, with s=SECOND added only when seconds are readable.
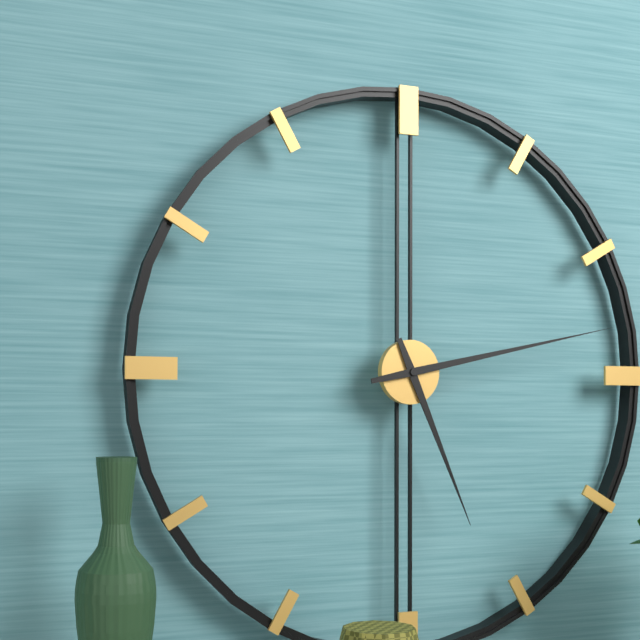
h=5 m=13
